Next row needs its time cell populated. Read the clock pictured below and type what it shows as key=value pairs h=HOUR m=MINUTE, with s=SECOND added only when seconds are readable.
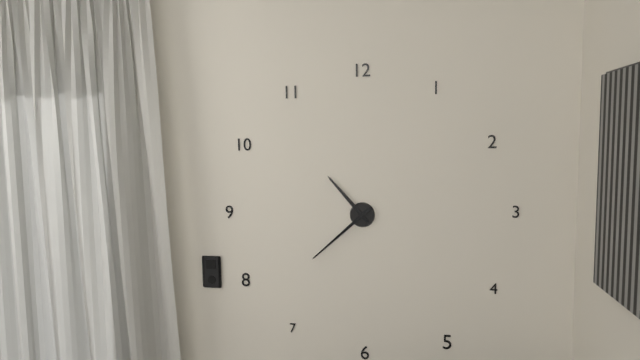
h=10 m=38
